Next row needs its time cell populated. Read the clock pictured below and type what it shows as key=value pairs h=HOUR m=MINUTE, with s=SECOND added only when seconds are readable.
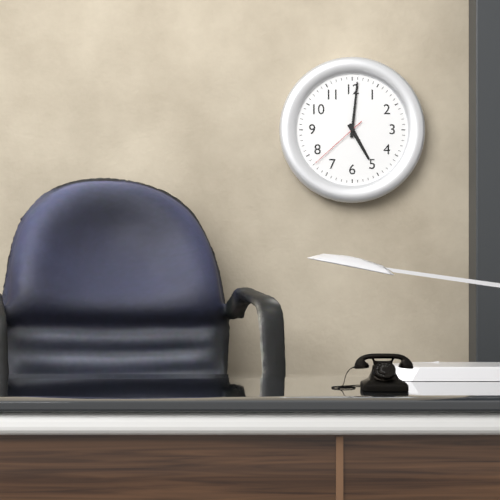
h=5 m=1 s=38
